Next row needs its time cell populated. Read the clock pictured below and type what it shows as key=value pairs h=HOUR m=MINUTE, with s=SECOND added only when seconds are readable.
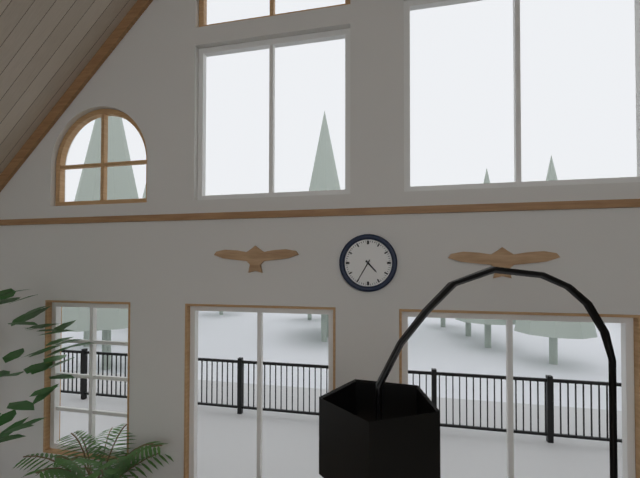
h=4 m=35
